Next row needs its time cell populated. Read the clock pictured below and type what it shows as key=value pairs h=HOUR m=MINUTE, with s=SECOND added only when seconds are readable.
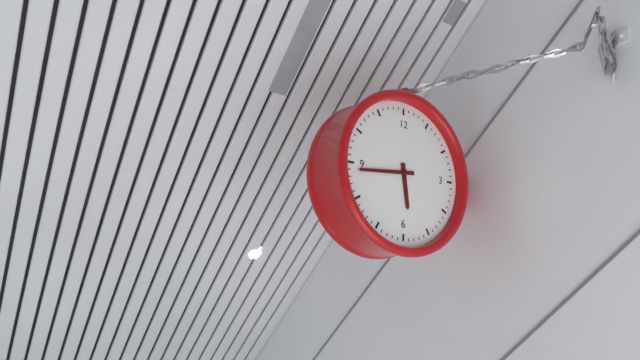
h=5 m=44
